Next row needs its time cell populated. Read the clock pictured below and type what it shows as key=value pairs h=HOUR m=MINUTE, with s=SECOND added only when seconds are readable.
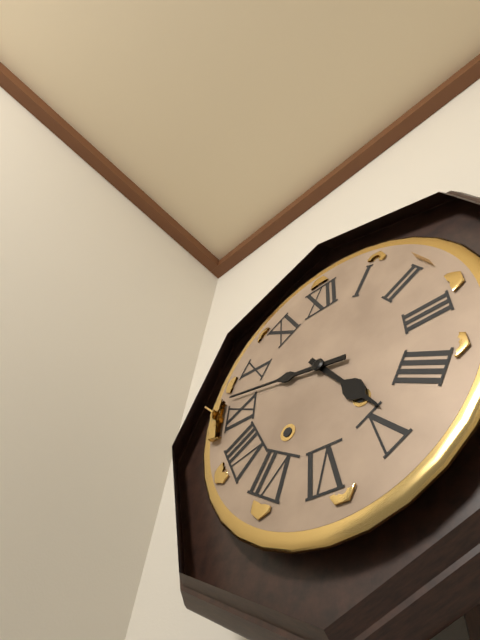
h=4 m=47
